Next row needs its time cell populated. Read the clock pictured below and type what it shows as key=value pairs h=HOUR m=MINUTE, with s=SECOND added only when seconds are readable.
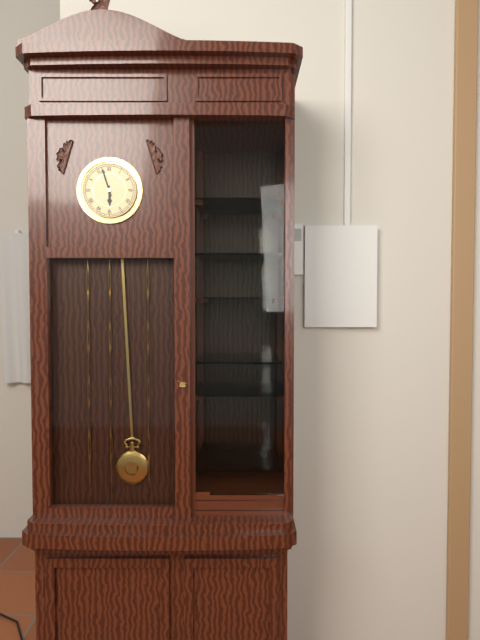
h=5 m=57
